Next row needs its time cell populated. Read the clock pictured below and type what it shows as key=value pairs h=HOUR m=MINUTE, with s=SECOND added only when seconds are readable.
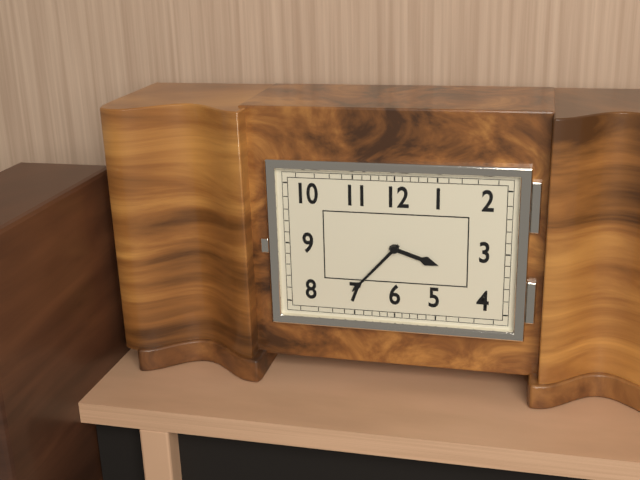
h=3 m=37
